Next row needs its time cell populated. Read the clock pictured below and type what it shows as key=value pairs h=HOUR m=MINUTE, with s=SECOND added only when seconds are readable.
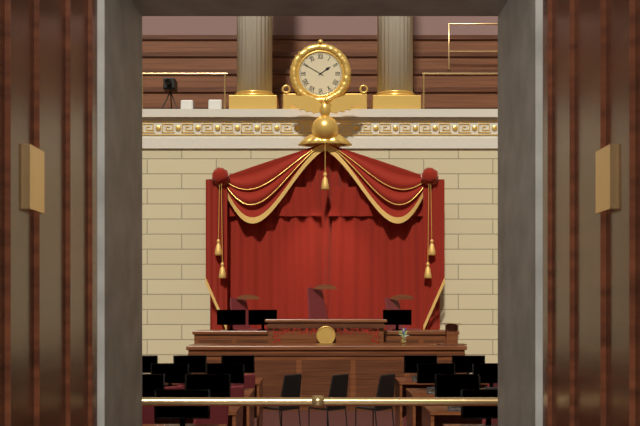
h=1 m=50
